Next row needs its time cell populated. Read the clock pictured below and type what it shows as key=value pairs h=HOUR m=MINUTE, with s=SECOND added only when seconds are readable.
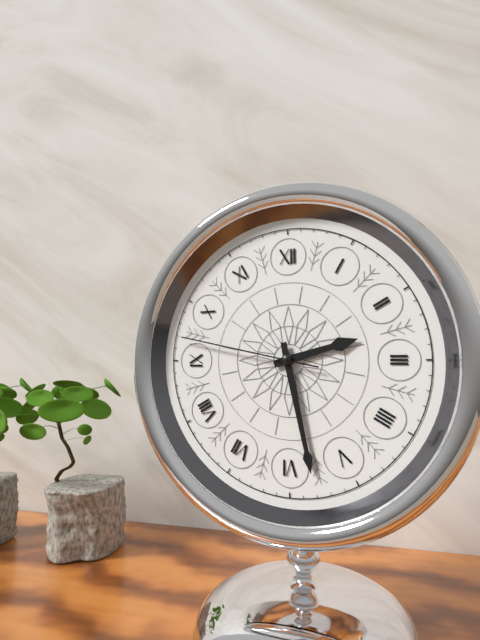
h=2 m=28 s=47
